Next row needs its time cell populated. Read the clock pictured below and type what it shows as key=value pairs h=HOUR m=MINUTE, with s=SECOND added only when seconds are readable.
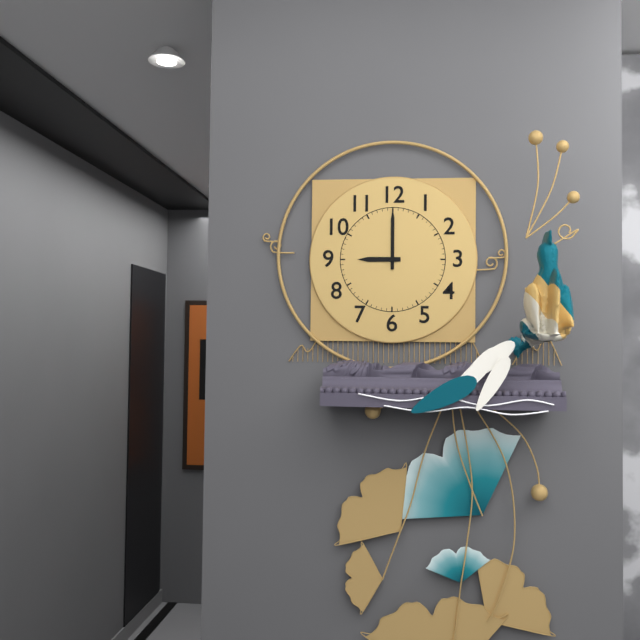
h=9 m=0
